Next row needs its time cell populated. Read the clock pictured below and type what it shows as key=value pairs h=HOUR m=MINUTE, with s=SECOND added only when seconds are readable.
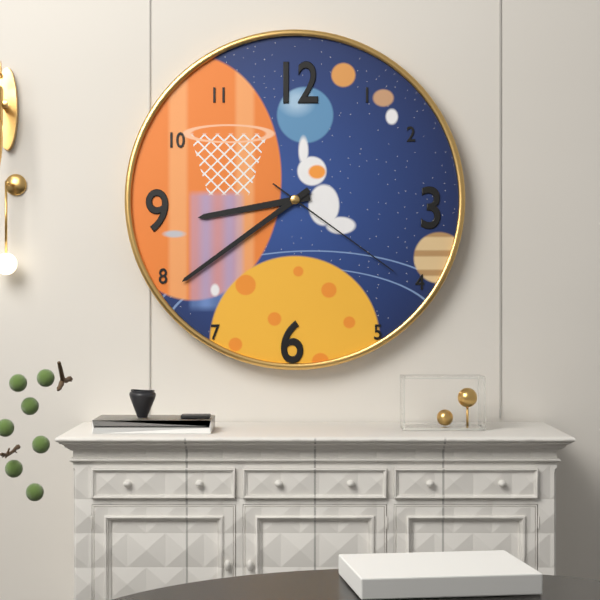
h=8 m=39 s=21
